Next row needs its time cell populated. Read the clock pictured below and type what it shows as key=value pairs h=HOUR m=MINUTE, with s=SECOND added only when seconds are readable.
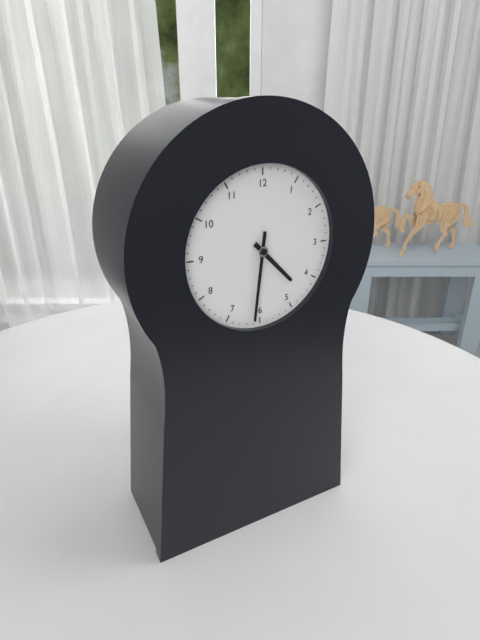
h=4 m=31
